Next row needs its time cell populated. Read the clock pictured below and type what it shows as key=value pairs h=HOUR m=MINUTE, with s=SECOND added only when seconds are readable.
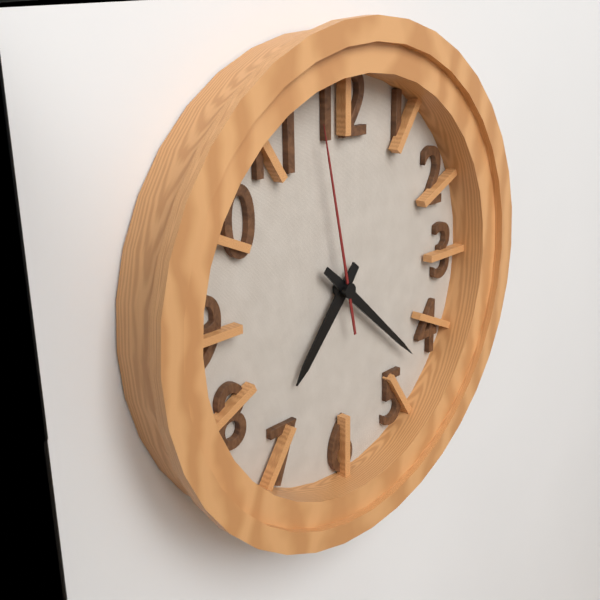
h=7 m=22 s=58
